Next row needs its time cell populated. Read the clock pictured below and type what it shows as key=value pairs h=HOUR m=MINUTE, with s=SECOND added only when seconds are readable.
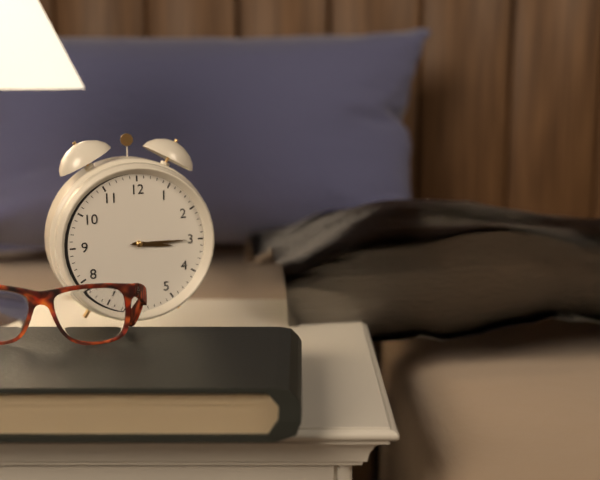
h=3 m=15
